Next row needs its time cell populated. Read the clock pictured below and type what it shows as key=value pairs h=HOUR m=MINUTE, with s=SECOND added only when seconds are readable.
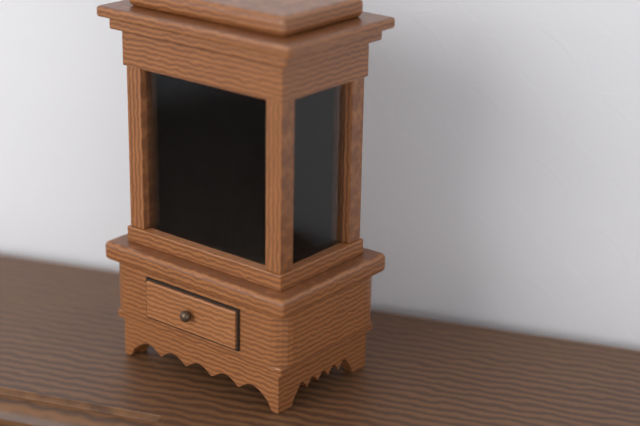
h=5 m=37
